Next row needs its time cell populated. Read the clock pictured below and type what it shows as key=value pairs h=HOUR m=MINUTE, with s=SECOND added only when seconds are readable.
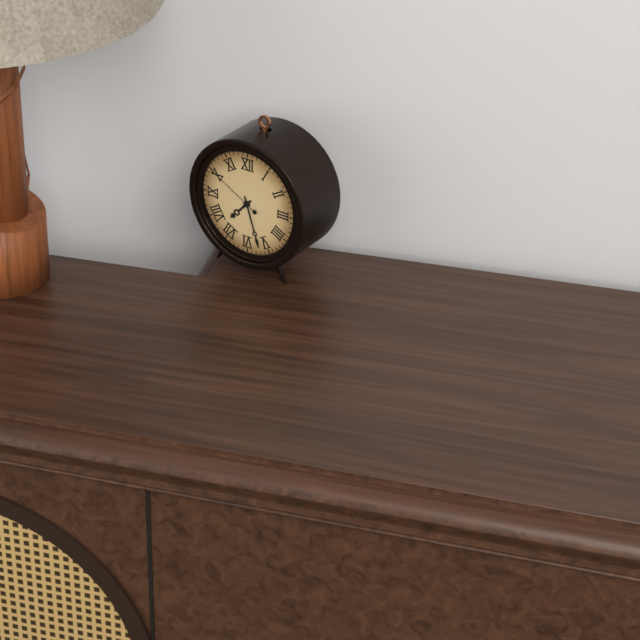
h=7 m=27 s=50
